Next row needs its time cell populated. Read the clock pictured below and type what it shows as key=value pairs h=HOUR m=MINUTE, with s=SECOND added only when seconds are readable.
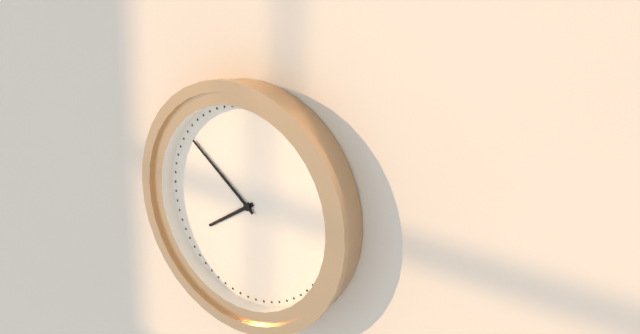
h=7 m=51
